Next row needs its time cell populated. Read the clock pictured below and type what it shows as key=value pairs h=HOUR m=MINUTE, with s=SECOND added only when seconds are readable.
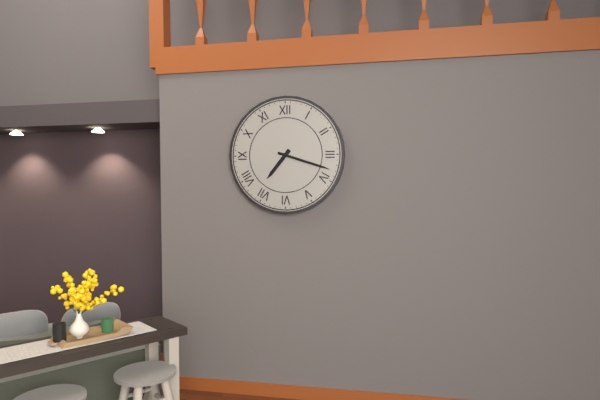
h=7 m=18
